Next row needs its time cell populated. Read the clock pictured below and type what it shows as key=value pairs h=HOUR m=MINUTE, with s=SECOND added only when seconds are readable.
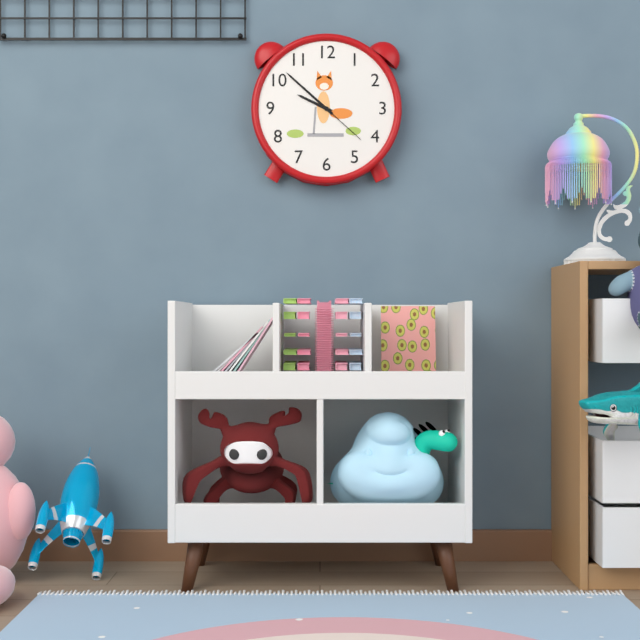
h=9 m=52 s=22
